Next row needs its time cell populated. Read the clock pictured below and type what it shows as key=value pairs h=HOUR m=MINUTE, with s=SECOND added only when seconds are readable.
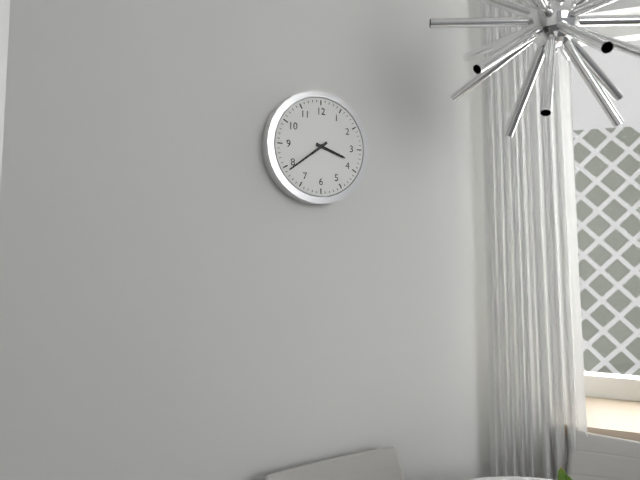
h=3 m=39
